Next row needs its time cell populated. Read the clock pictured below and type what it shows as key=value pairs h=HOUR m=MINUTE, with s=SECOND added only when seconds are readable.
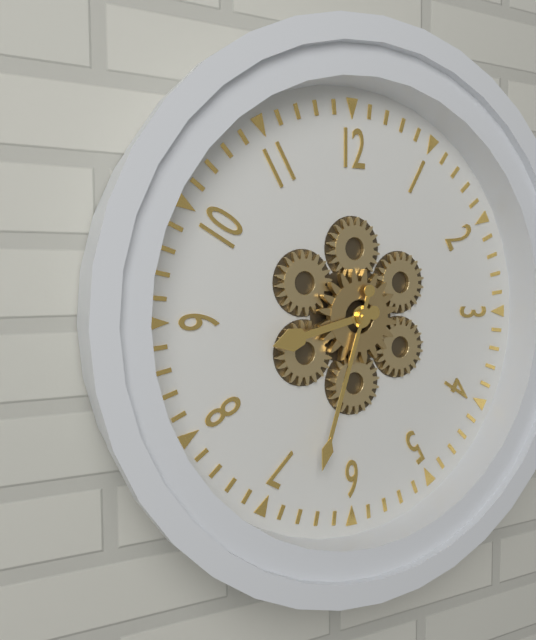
h=8 m=33
